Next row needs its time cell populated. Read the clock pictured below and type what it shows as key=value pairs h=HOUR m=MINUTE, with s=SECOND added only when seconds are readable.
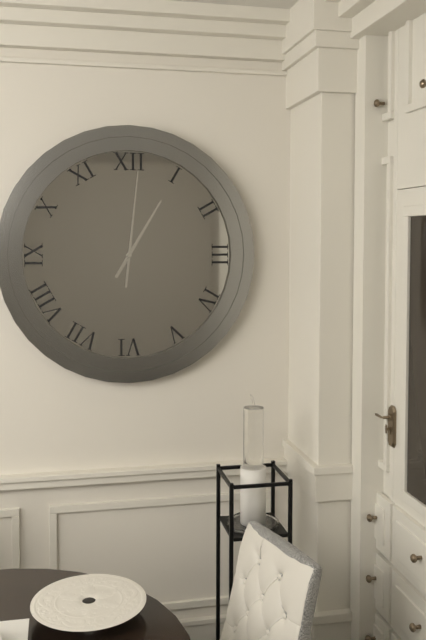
h=1 m=1
